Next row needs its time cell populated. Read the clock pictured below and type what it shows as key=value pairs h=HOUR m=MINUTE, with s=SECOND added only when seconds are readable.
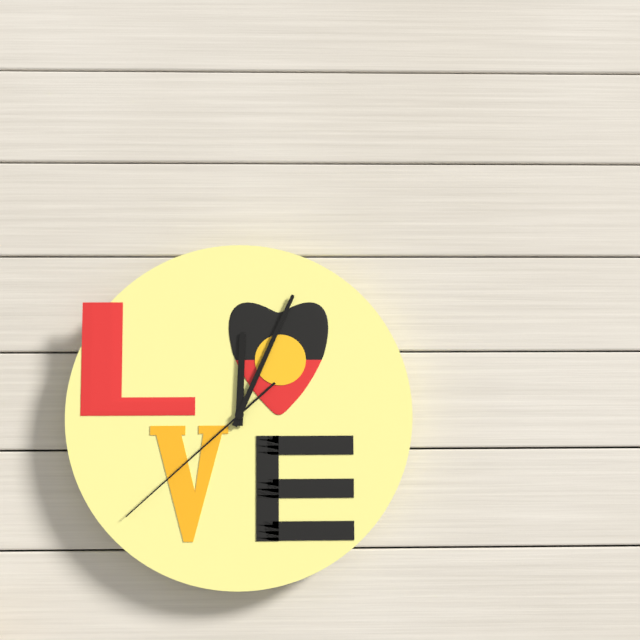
h=12 m=4 s=38
